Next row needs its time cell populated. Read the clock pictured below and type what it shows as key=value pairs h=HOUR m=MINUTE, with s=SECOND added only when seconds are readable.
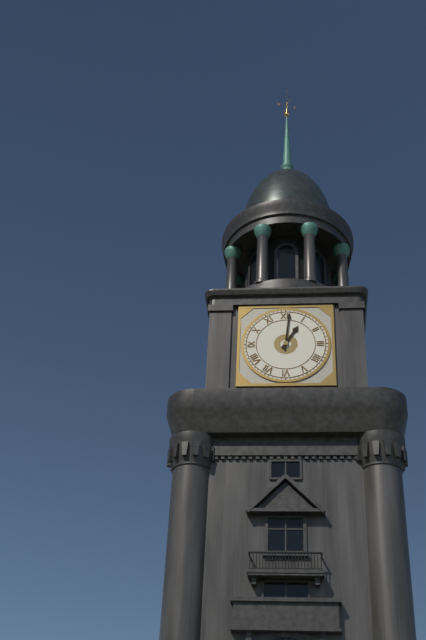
h=1 m=1
